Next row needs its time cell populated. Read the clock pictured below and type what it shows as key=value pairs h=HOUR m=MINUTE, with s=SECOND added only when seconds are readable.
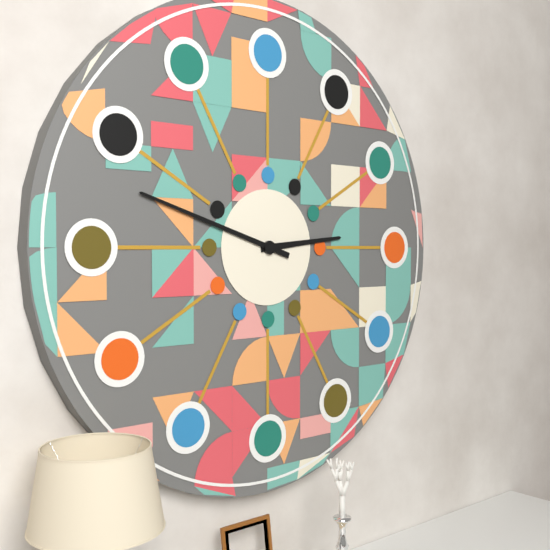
h=2 m=48
